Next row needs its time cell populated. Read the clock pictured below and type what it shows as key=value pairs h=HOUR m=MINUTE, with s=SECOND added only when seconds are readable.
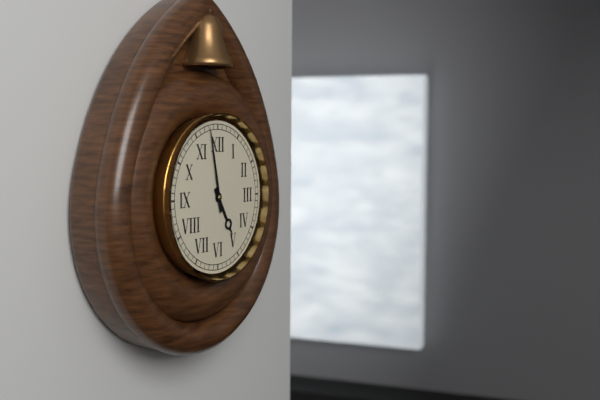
h=4 m=58
